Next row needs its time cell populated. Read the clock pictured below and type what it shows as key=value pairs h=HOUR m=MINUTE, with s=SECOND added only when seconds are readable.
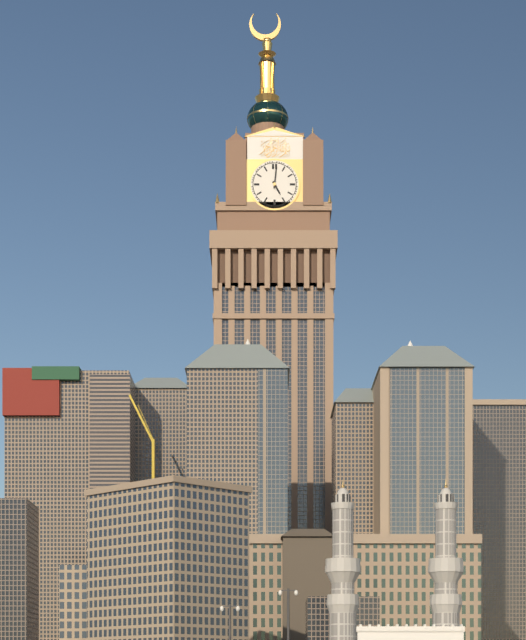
h=5 m=1
